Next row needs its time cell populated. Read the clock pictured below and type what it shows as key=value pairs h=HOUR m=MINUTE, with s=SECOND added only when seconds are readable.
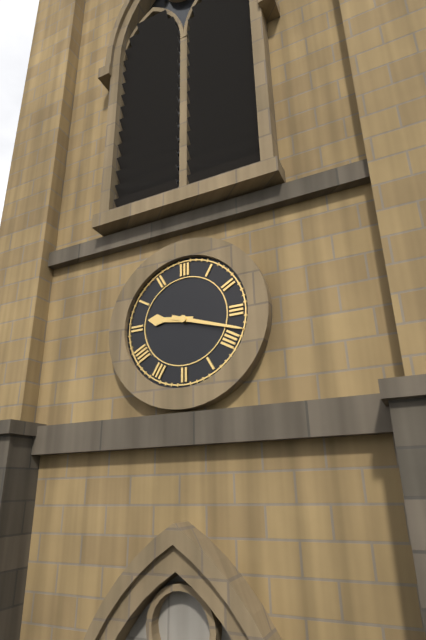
h=9 m=18
